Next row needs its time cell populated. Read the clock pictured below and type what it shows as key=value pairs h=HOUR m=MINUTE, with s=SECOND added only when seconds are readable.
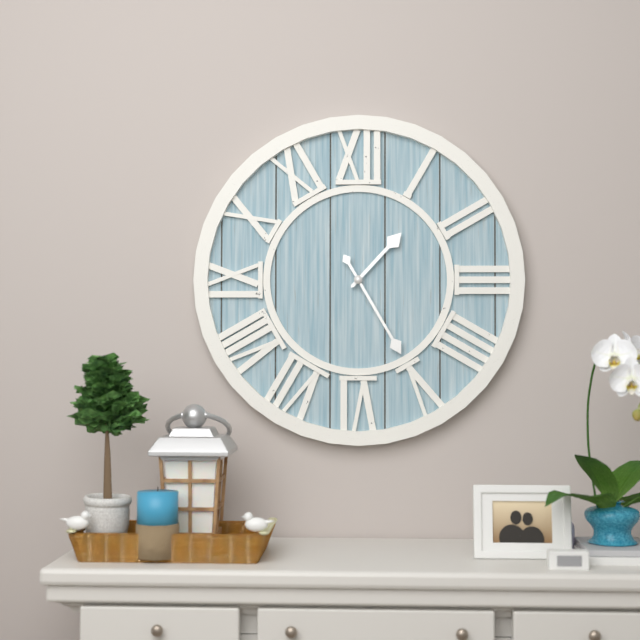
h=1 m=25
